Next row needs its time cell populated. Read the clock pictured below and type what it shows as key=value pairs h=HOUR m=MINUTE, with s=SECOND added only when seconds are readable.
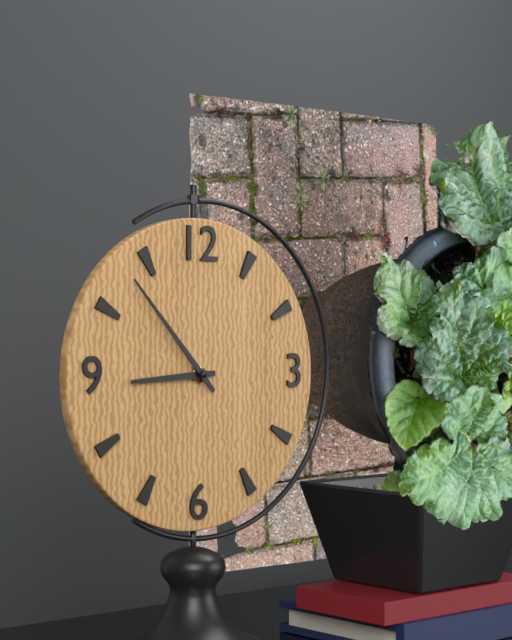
h=8 m=53
